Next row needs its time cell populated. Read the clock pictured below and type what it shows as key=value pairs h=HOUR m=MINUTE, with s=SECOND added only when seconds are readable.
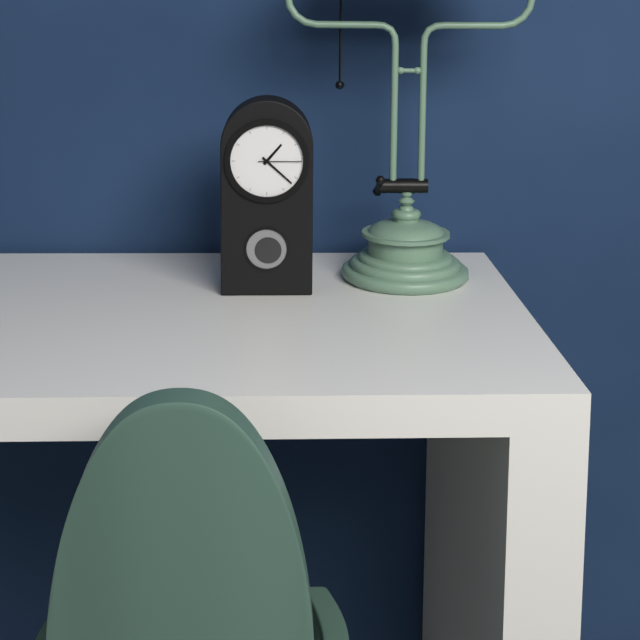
h=1 m=22
